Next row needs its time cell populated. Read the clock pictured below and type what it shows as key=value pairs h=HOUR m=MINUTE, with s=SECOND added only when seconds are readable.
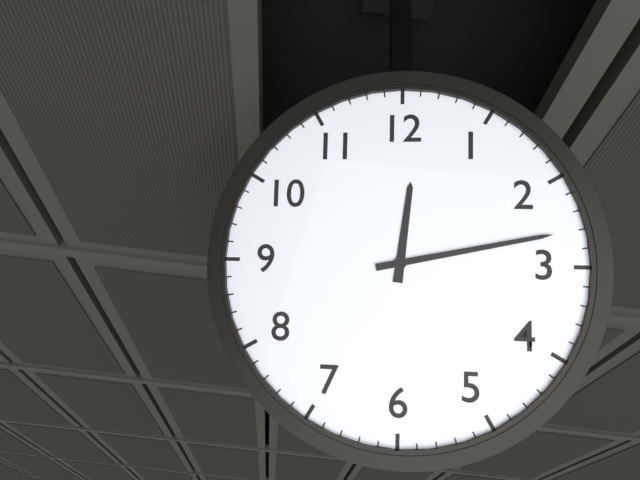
h=12 m=13
